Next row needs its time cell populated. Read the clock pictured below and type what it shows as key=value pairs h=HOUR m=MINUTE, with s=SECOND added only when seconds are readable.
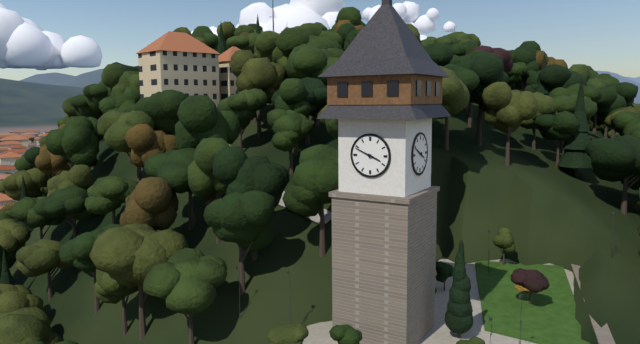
h=3 m=49
